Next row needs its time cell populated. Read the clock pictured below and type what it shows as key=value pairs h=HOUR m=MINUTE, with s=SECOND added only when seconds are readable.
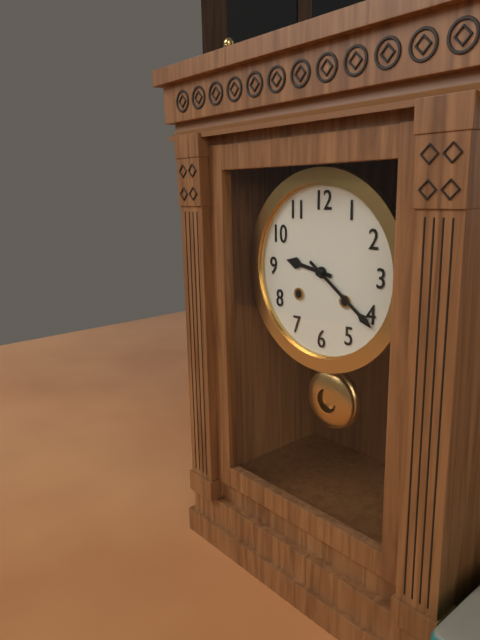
h=9 m=21
